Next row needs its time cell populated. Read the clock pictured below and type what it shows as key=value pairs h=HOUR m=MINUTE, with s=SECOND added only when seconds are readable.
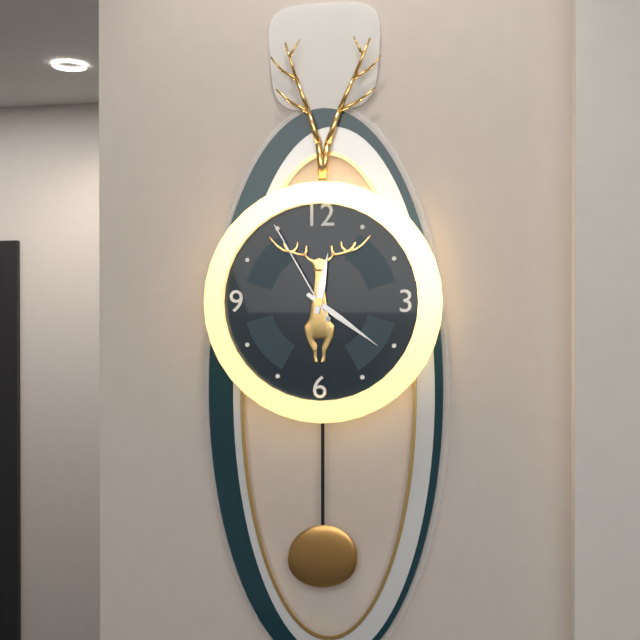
h=12 m=21 s=55
